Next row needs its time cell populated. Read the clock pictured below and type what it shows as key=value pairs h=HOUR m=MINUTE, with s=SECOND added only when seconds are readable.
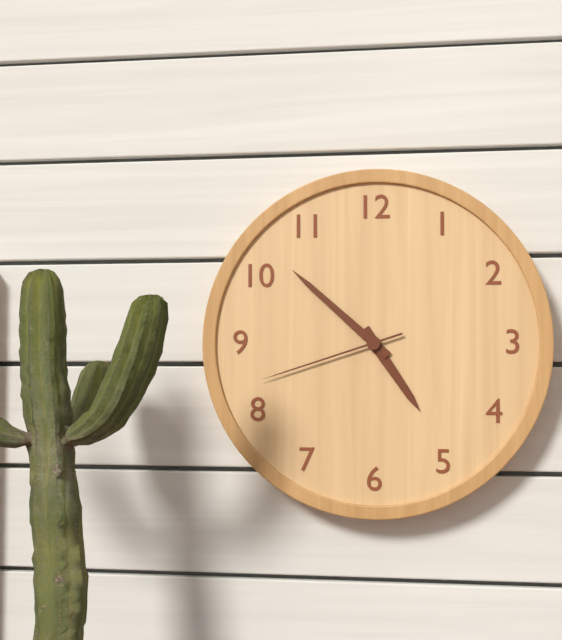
h=4 m=52 s=42
